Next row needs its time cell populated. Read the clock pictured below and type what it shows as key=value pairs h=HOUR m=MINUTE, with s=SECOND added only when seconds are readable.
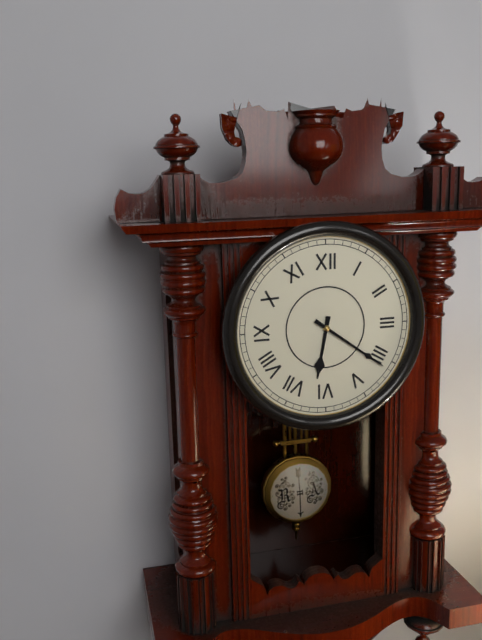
h=6 m=21
